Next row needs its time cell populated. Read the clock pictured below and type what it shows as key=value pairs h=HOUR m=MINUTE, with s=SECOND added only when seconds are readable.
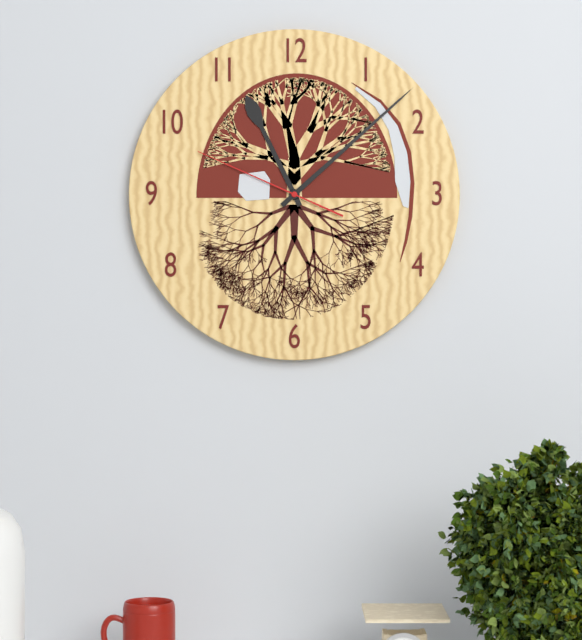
h=11 m=8 s=49
